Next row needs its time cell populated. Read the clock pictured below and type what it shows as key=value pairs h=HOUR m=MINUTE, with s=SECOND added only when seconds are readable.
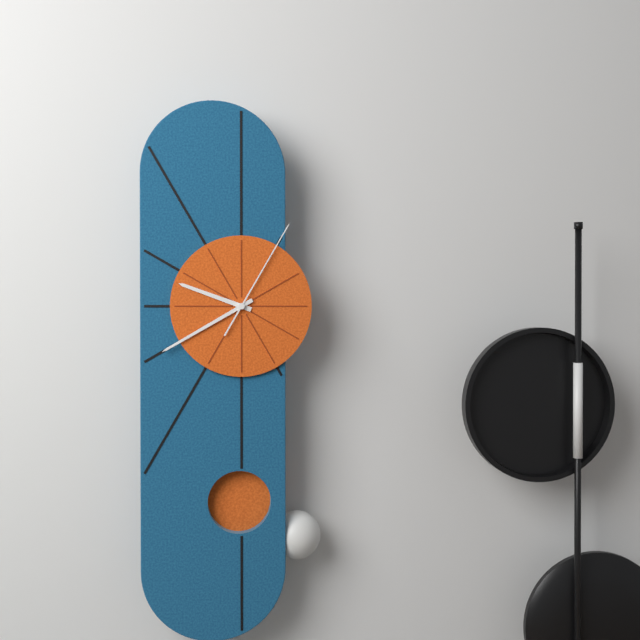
h=9 m=40 s=5
